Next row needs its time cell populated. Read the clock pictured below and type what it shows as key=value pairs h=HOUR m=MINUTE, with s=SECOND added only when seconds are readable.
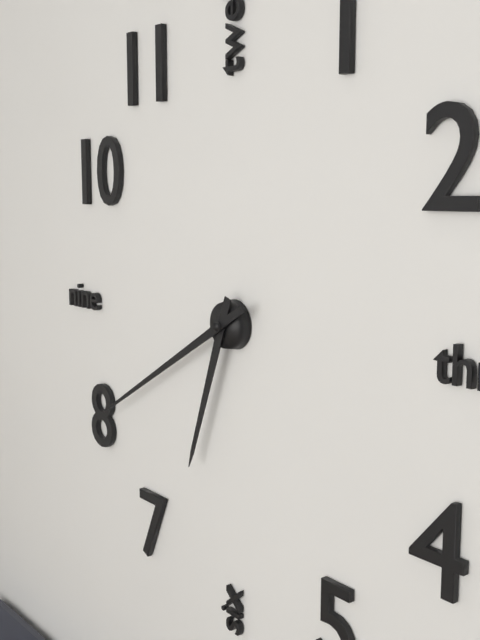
h=6 m=40
